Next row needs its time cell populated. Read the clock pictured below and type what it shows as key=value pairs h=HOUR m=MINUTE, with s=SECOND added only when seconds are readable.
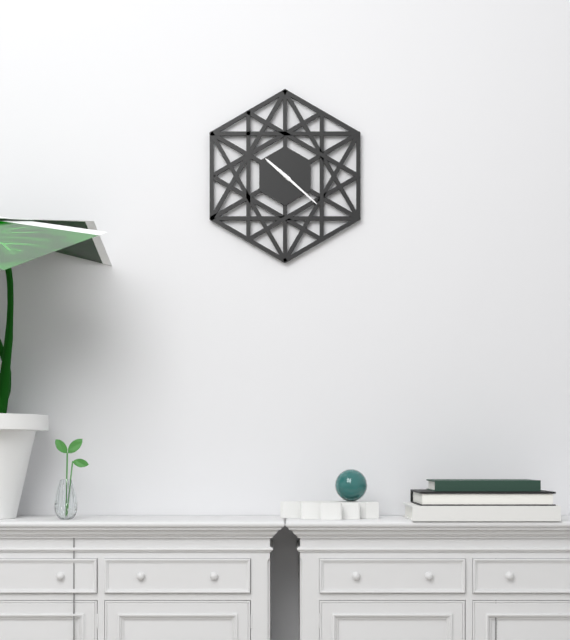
h=10 m=22
